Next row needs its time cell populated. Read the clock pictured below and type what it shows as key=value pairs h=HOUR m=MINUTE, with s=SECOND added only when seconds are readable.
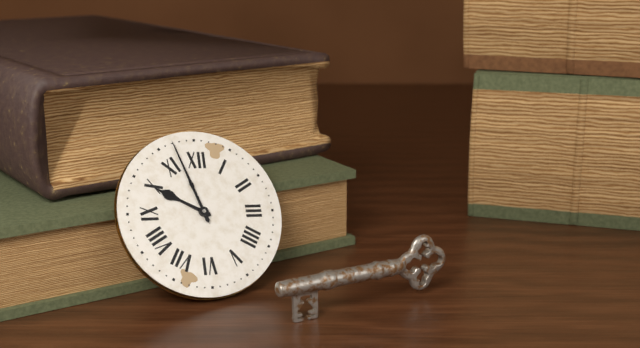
h=9 m=57
